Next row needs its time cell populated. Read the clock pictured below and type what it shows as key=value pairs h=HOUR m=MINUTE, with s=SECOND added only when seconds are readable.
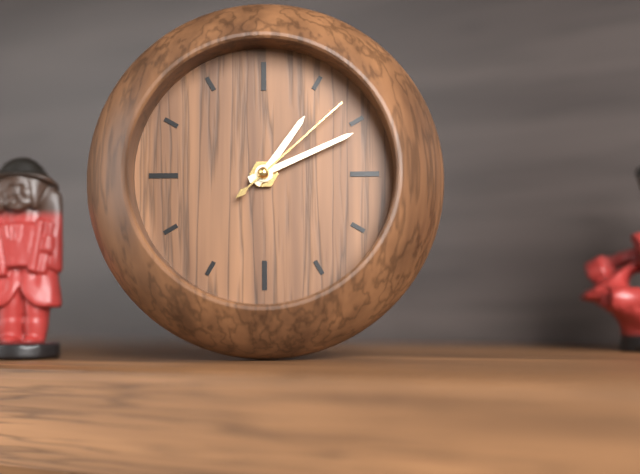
h=1 m=11 s=8
